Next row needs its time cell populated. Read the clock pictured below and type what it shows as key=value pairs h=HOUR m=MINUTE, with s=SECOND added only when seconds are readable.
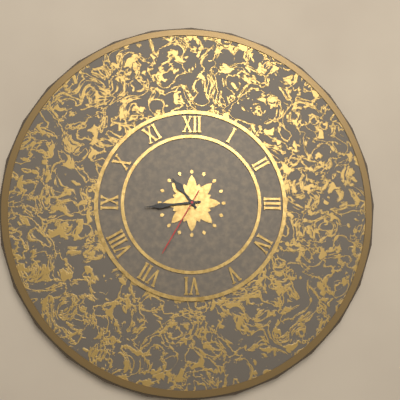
h=10 m=44 s=35
